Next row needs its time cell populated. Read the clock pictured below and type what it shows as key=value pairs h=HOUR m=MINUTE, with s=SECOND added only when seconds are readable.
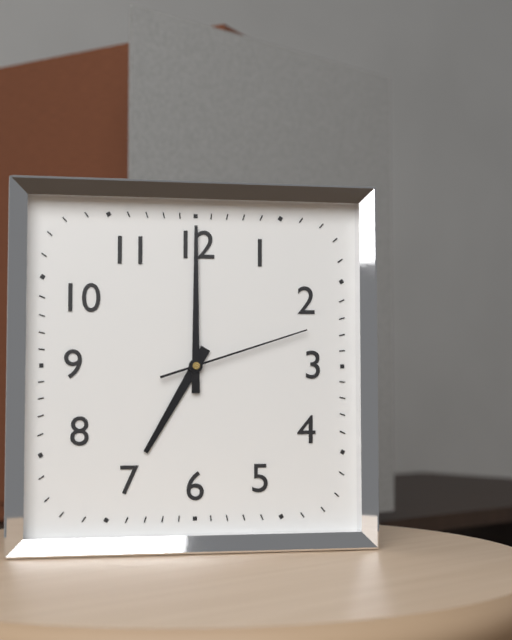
h=7 m=0 s=12
